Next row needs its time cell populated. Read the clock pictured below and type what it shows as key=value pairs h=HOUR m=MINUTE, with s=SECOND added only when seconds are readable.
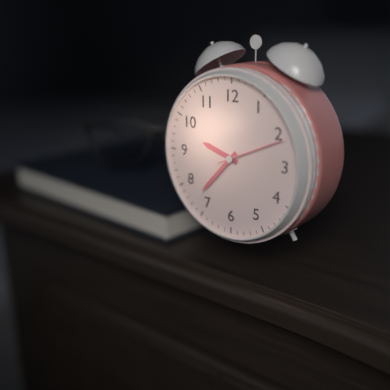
h=9 m=37 s=11
